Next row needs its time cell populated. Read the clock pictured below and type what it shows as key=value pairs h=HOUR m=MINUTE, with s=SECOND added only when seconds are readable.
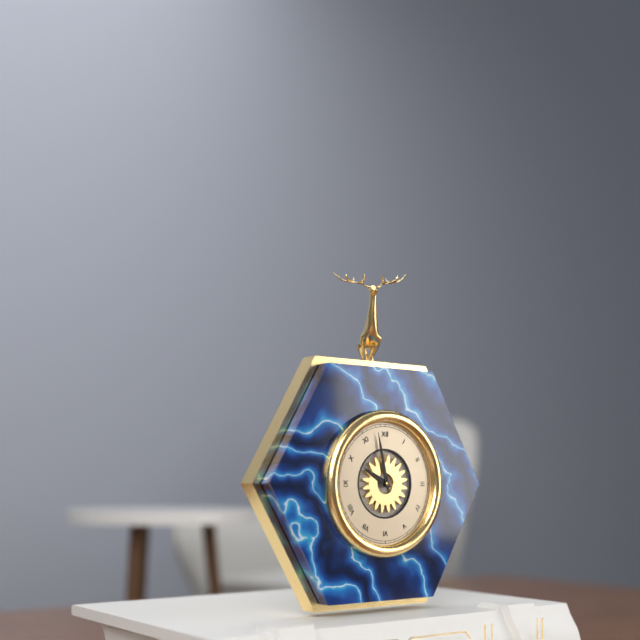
h=9 m=58
